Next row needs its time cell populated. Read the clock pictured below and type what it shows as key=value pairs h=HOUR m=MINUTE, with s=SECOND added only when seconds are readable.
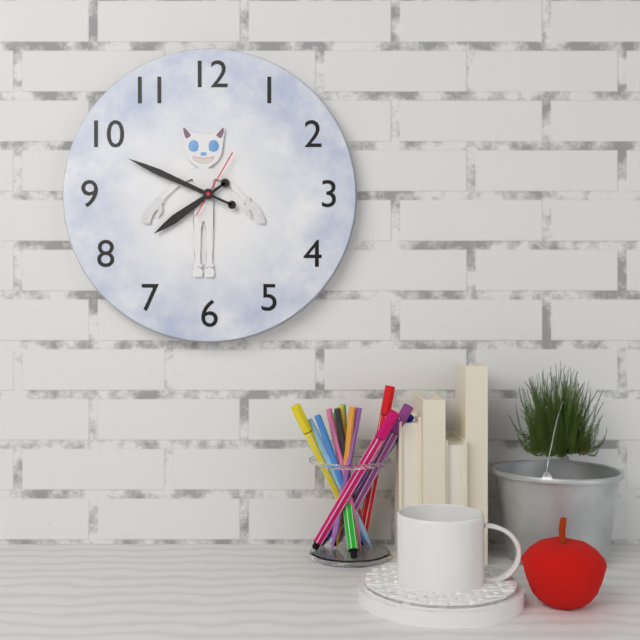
h=7 m=49 s=5
